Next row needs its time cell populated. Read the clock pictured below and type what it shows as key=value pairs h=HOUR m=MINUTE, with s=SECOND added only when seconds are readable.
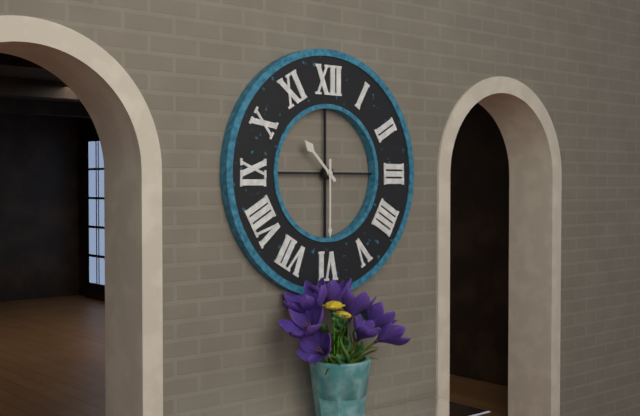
h=10 m=30
